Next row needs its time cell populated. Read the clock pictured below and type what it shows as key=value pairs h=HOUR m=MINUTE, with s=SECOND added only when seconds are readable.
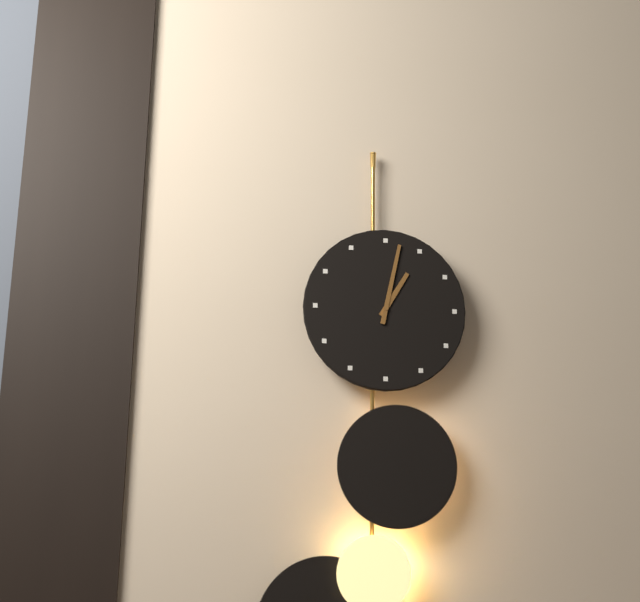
h=1 m=2
